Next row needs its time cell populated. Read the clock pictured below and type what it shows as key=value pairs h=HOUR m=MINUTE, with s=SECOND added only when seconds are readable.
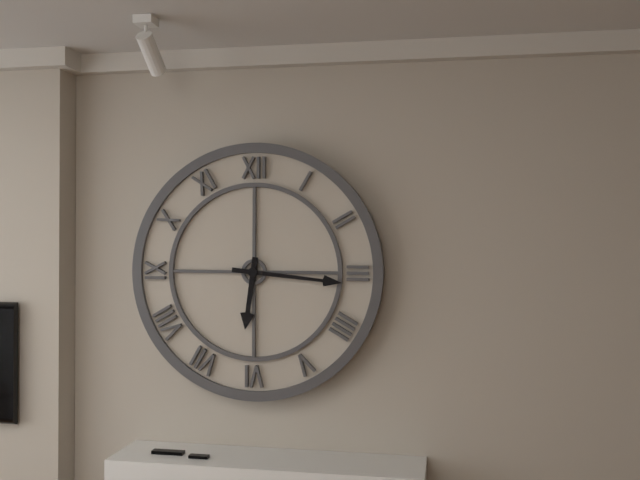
h=6 m=16
